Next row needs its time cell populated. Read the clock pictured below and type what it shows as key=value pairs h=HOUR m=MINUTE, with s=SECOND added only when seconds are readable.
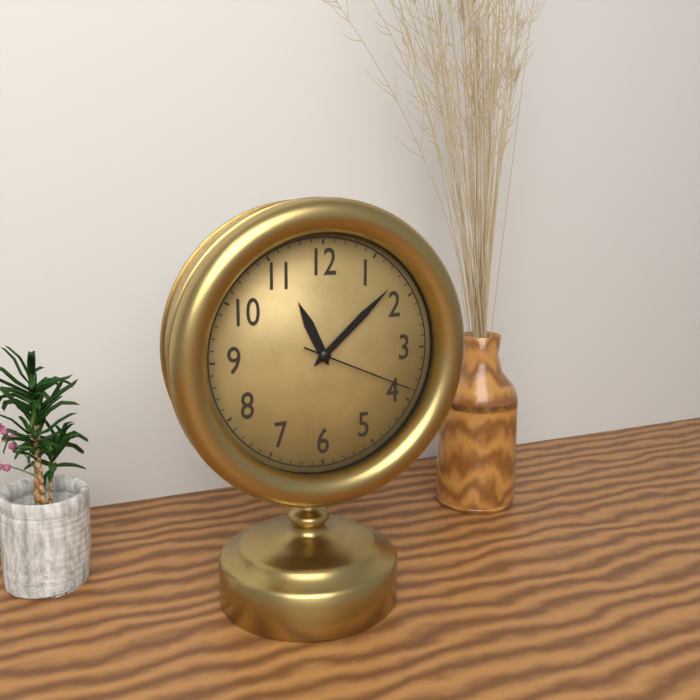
h=11 m=8 s=19
